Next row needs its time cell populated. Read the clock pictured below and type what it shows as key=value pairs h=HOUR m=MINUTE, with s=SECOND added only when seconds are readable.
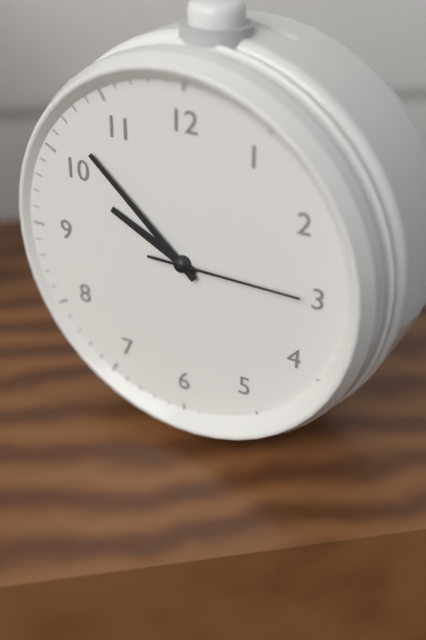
h=9 m=52 s=15
